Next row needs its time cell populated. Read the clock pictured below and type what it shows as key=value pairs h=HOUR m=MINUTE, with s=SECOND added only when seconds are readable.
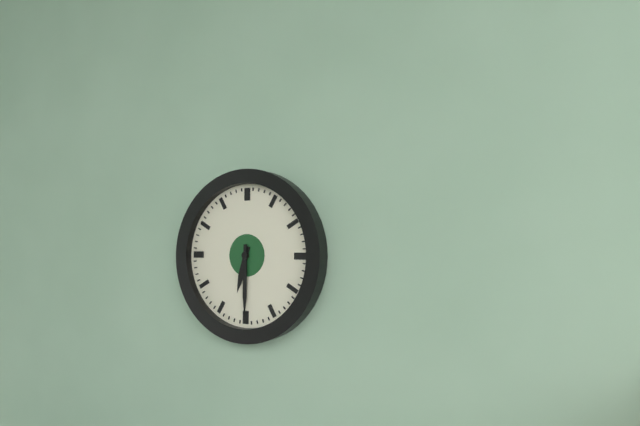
h=6 m=30
